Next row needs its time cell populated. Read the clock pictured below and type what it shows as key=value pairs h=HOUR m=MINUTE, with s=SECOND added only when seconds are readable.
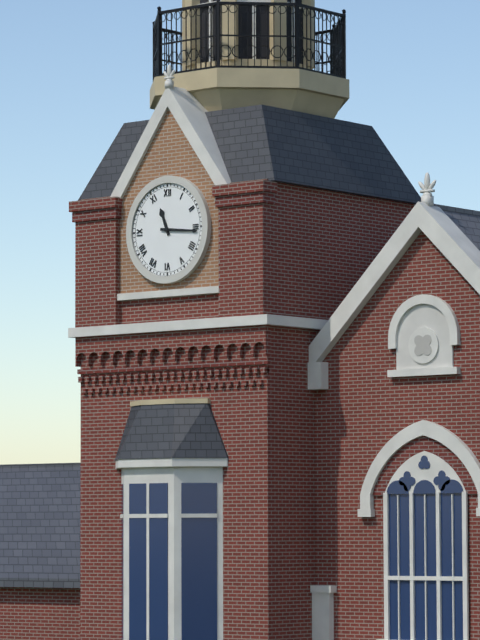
h=11 m=16
